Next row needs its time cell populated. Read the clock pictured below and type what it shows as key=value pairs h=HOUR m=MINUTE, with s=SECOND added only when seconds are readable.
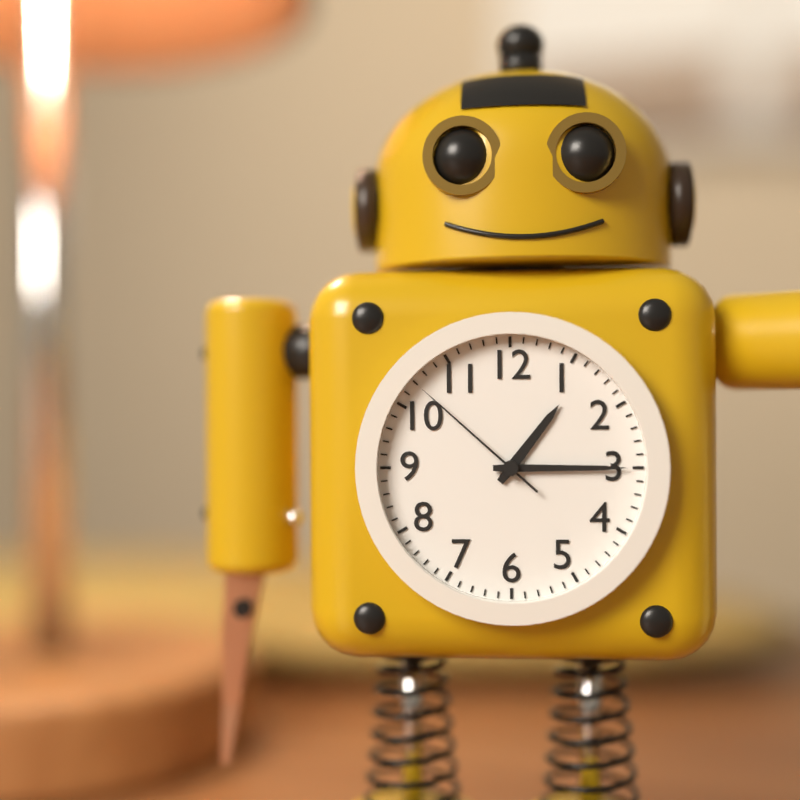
h=1 m=15 s=52
